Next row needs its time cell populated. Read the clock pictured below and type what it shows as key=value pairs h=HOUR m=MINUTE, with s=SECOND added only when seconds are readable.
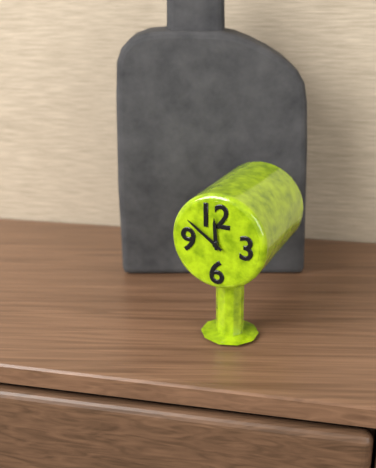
h=11 m=51
